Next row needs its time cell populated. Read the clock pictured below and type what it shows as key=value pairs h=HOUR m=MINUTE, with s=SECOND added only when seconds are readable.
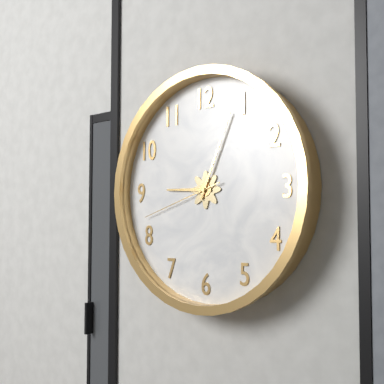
h=9 m=4 s=42
